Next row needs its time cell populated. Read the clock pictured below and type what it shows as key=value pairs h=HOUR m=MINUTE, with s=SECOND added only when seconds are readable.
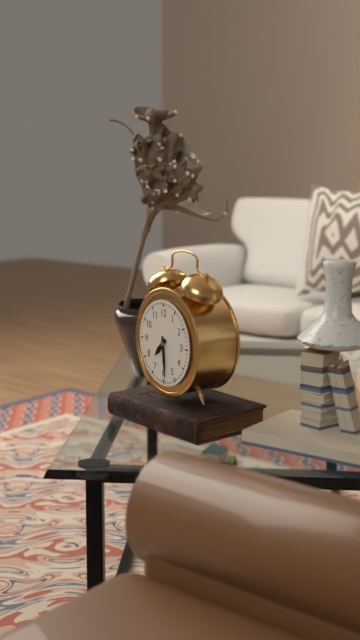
h=7 m=29
